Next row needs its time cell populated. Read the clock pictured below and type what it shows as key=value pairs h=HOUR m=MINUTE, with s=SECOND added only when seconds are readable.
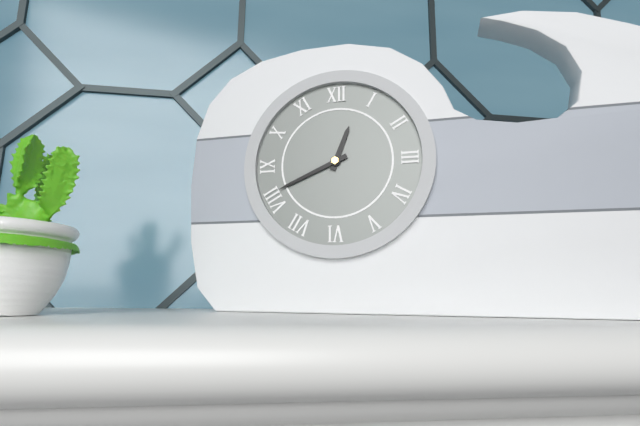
h=12 m=41
